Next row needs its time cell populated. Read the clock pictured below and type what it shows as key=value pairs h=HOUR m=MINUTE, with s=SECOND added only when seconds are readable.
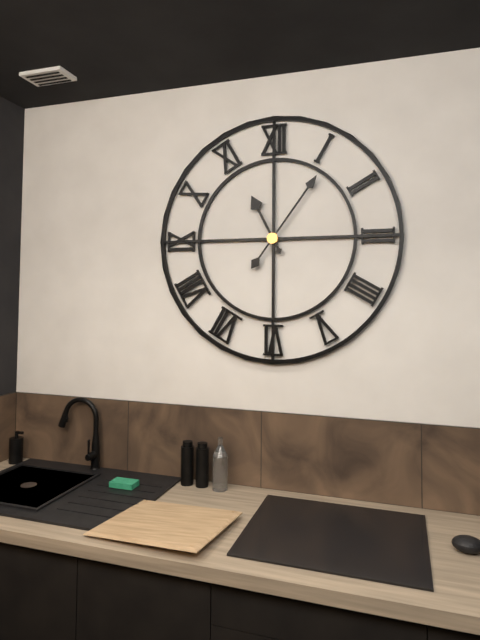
h=11 m=6
